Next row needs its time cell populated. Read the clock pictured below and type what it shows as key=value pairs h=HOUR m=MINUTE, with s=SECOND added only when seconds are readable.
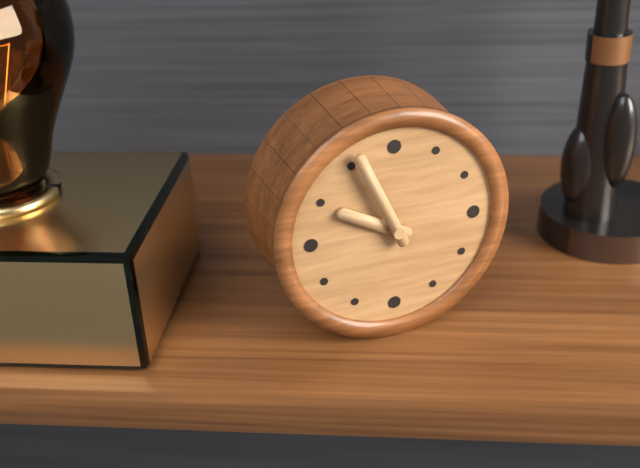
h=9 m=56
